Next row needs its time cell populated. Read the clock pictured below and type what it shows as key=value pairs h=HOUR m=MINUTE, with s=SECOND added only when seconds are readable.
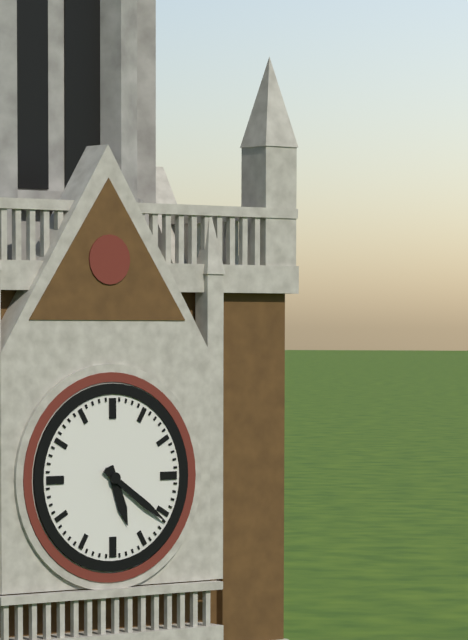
h=5 m=21
